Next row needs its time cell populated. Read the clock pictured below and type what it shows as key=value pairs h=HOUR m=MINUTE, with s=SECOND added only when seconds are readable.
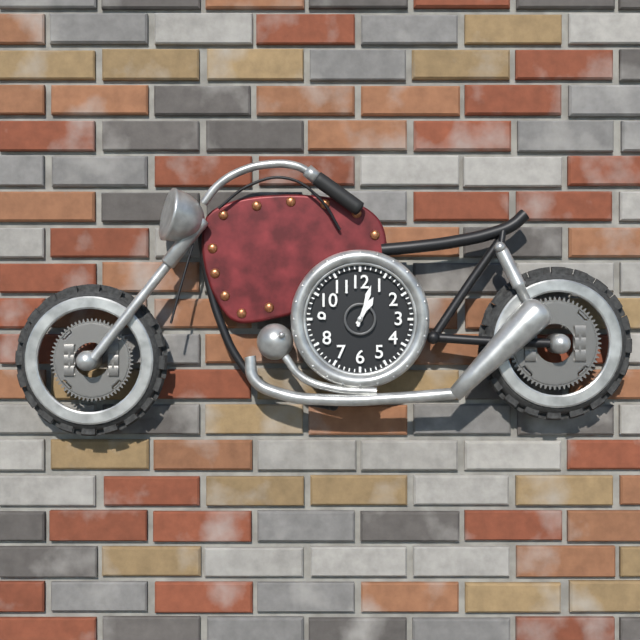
h=1 m=3
